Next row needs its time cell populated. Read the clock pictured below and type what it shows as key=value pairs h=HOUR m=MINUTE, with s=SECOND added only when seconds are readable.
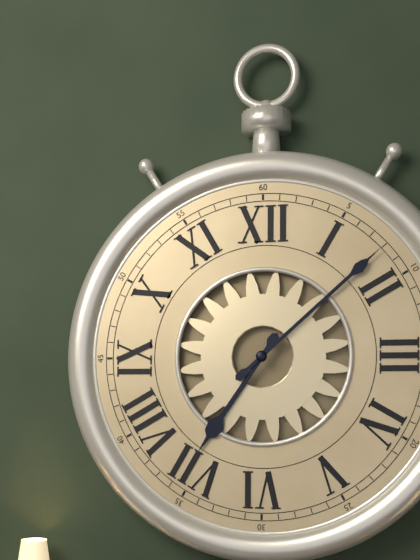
h=7 m=8
